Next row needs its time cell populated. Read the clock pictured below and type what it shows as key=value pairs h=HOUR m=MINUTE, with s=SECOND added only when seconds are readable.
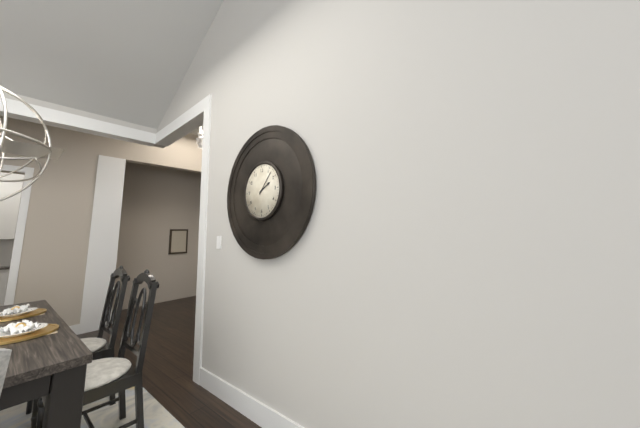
h=2 m=7
